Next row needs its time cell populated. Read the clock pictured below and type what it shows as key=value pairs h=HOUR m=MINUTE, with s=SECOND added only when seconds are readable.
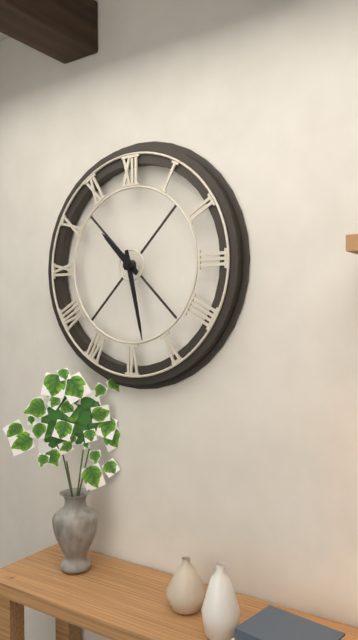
h=10 m=28
